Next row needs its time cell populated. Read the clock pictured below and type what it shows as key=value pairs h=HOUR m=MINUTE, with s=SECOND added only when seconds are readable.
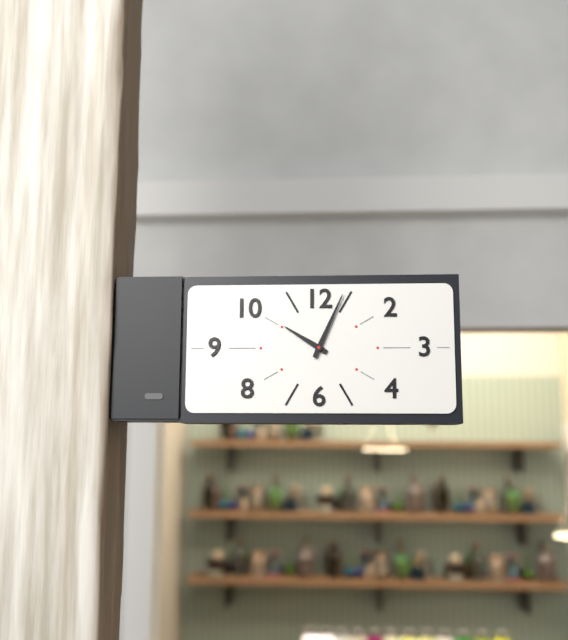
h=10 m=4
